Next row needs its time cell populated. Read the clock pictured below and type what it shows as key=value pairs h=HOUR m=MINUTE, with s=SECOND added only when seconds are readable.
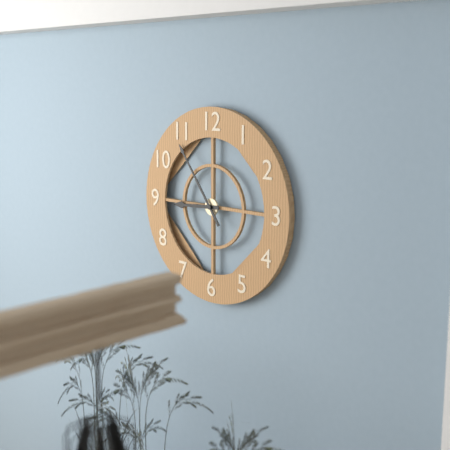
h=8 m=54
